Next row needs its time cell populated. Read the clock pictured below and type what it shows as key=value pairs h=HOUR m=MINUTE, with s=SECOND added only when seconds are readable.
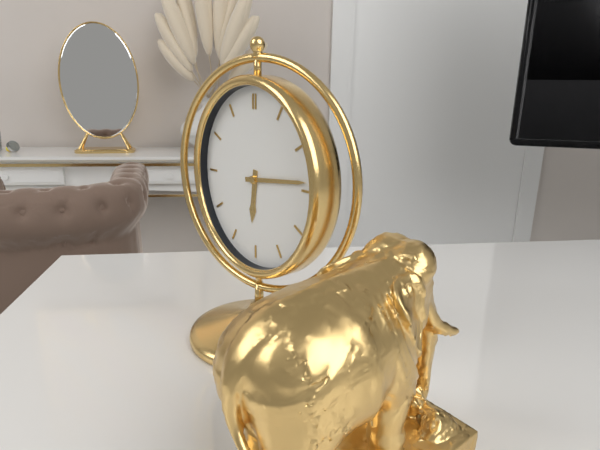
h=6 m=14
